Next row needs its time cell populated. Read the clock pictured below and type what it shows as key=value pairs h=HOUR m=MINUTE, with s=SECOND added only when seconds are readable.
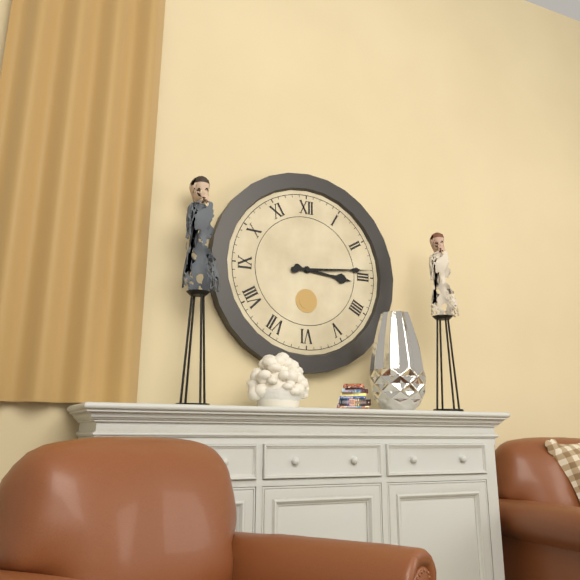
h=3 m=14
